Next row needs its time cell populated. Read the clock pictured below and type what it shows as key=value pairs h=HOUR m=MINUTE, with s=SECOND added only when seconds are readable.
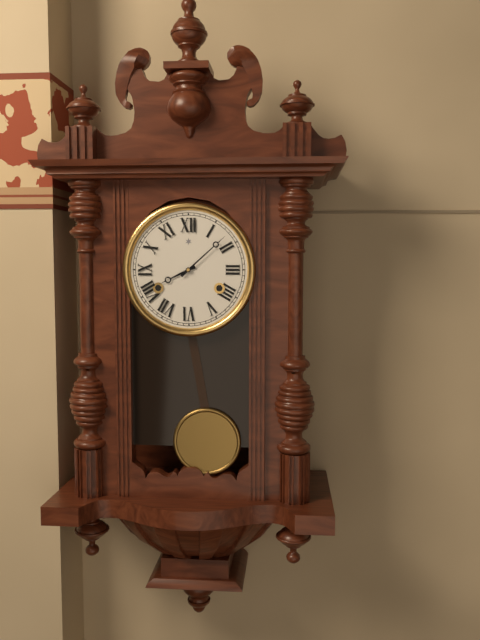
h=8 m=8
